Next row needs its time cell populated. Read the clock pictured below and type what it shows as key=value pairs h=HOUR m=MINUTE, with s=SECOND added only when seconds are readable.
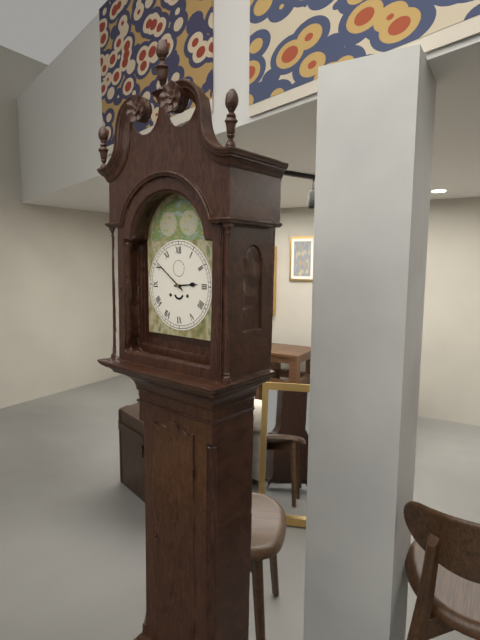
h=2 m=51
